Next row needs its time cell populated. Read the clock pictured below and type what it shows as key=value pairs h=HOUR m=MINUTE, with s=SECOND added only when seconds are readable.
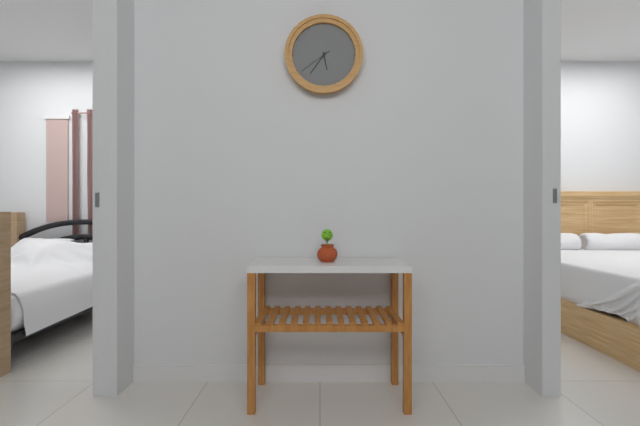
h=5 m=36
